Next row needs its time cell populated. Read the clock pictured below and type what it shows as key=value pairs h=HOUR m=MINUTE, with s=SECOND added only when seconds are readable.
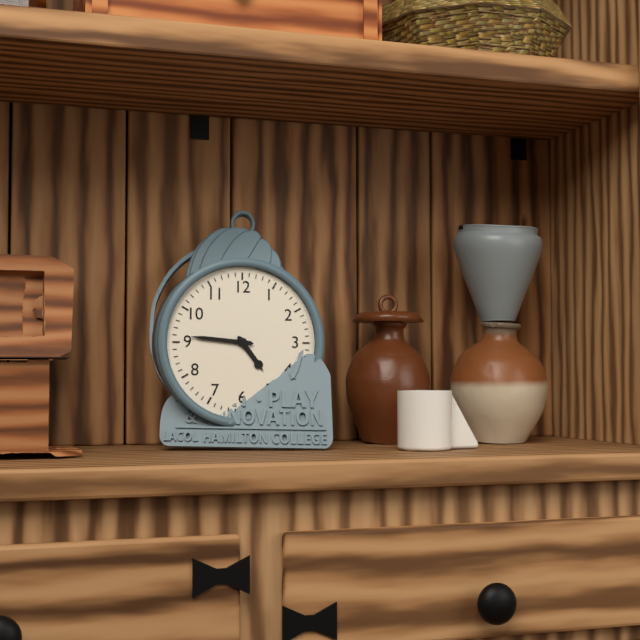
h=4 m=46
